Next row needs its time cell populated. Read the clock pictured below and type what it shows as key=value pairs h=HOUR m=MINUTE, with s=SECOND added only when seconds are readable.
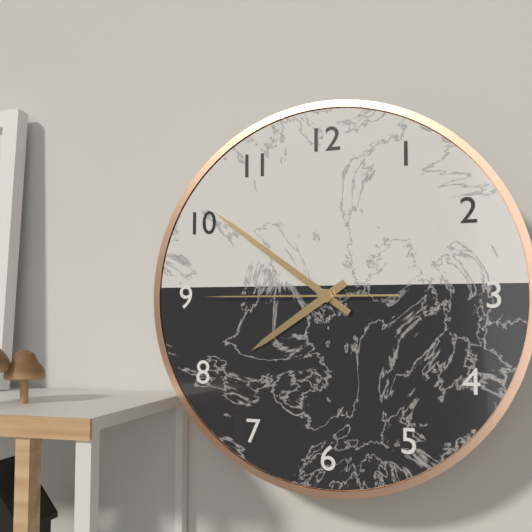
h=7 m=51 s=45
